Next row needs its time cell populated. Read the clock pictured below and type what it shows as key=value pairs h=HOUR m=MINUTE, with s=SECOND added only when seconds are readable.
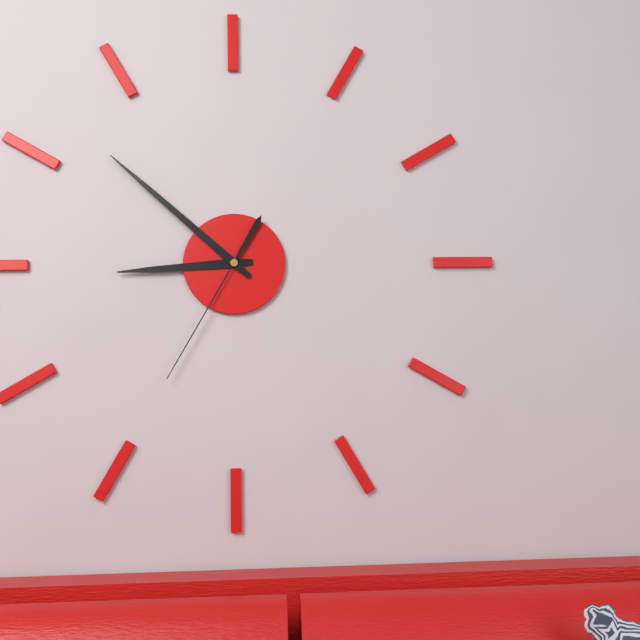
h=8 m=52 s=35
